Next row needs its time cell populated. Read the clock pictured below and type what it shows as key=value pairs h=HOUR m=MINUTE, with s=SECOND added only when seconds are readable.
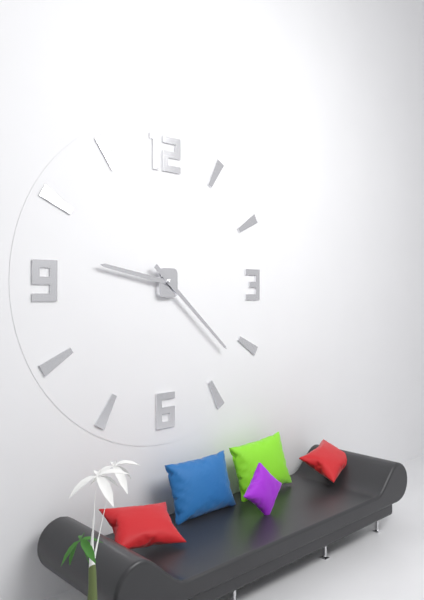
h=9 m=22
